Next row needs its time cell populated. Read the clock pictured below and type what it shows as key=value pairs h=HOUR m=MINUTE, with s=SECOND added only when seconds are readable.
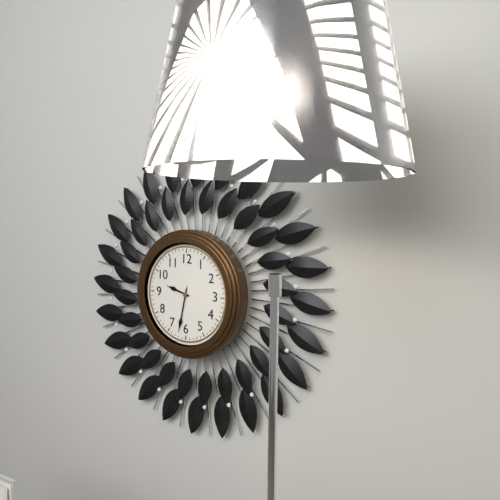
h=9 m=32
